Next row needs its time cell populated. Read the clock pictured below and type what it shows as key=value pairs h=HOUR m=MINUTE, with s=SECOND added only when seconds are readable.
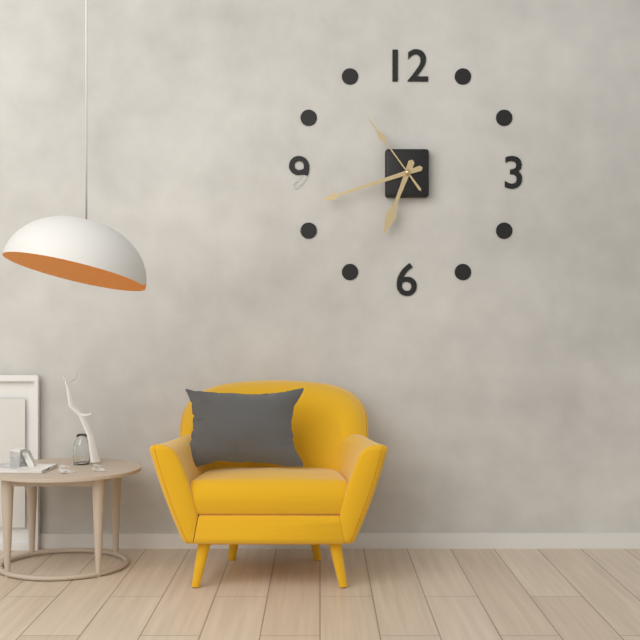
h=6 m=42 s=54
